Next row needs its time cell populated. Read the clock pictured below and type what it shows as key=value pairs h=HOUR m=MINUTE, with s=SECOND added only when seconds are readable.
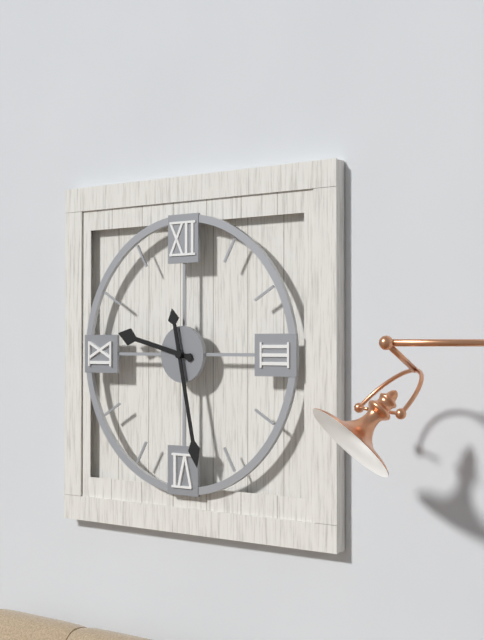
h=9 m=28
